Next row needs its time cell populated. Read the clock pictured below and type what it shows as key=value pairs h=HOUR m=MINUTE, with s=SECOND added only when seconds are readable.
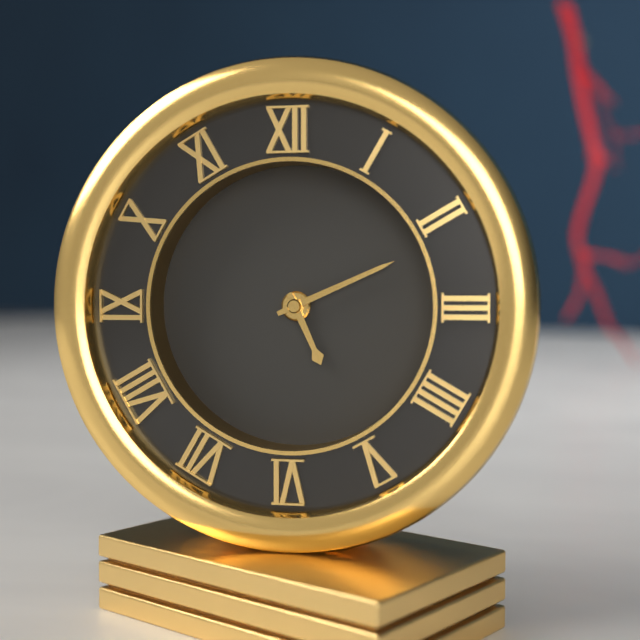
h=5 m=11
